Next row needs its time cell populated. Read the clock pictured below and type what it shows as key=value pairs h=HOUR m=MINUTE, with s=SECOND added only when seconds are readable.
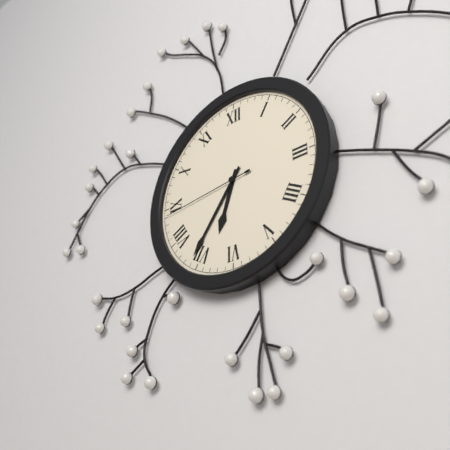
h=6 m=36 s=44
